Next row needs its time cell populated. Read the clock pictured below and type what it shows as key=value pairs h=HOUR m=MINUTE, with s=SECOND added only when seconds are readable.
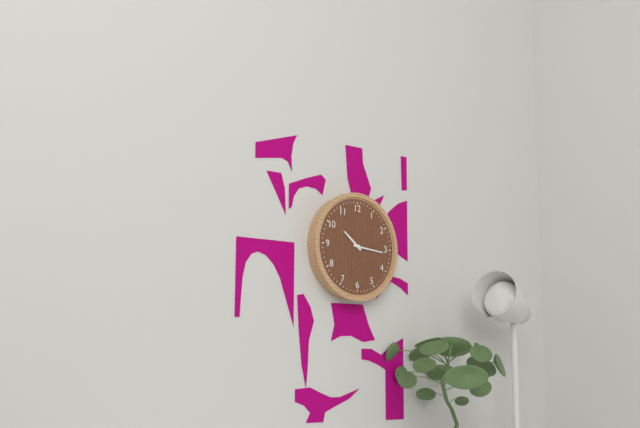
h=10 m=16
